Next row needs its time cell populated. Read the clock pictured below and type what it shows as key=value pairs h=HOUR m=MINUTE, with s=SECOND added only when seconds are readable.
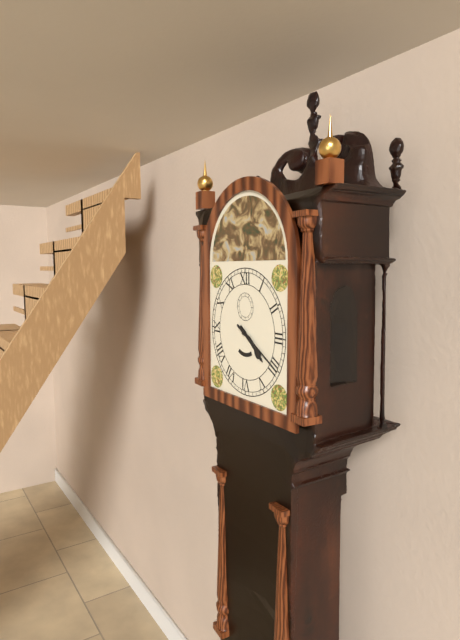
h=4 m=20
